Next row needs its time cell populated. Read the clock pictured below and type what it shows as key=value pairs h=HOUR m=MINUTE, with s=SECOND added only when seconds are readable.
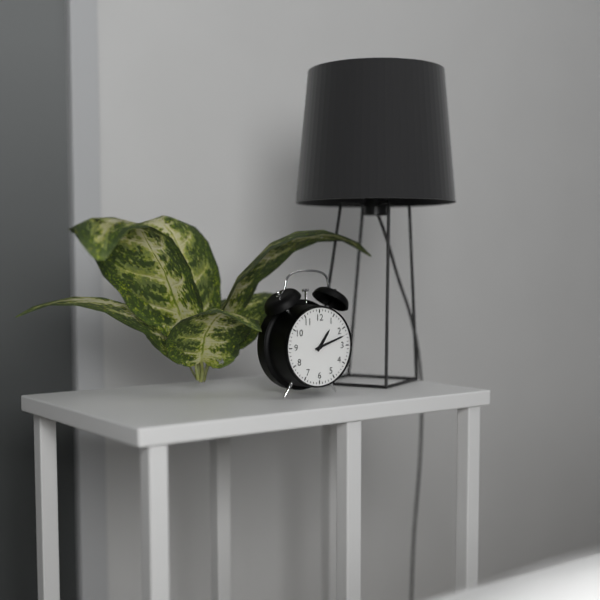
h=1 m=12
